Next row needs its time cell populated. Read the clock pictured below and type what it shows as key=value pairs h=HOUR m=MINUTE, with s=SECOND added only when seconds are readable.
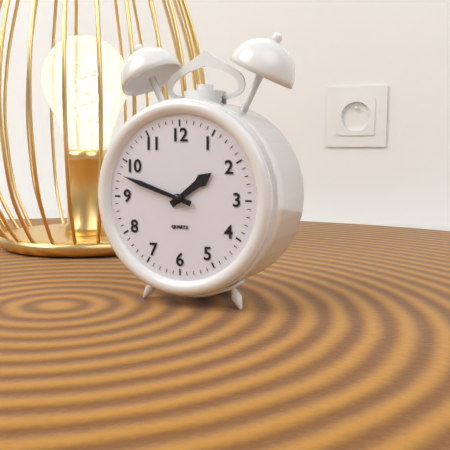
h=1 m=48
